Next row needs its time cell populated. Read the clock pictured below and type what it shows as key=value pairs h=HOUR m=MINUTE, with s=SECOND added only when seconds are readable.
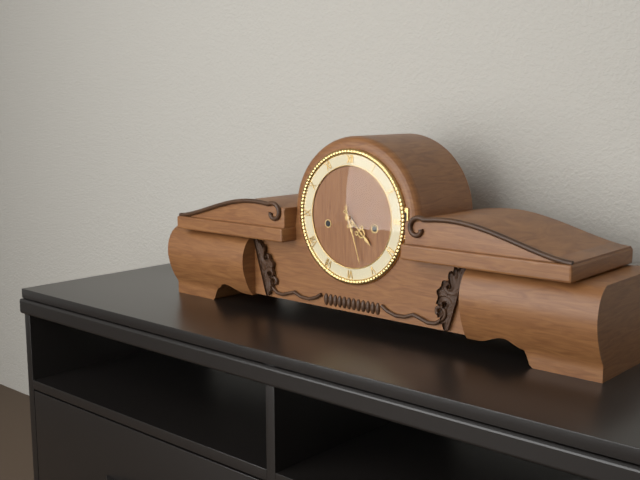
h=4 m=27
